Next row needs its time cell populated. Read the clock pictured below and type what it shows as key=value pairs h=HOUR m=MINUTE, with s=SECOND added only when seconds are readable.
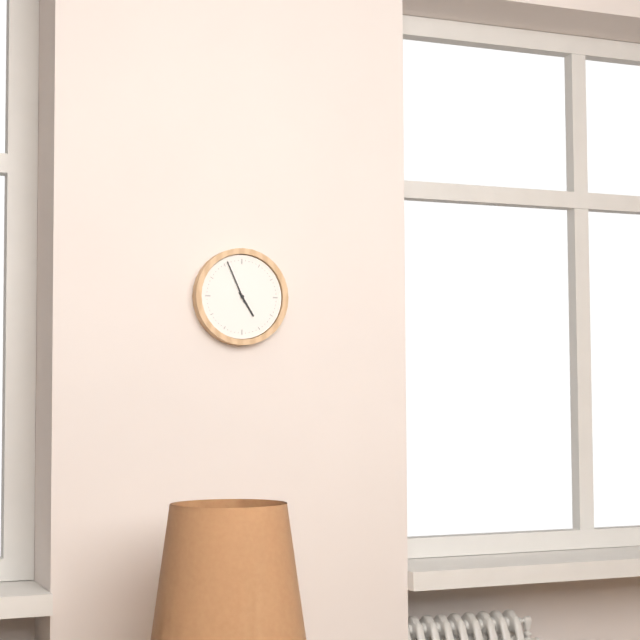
h=4 m=56
